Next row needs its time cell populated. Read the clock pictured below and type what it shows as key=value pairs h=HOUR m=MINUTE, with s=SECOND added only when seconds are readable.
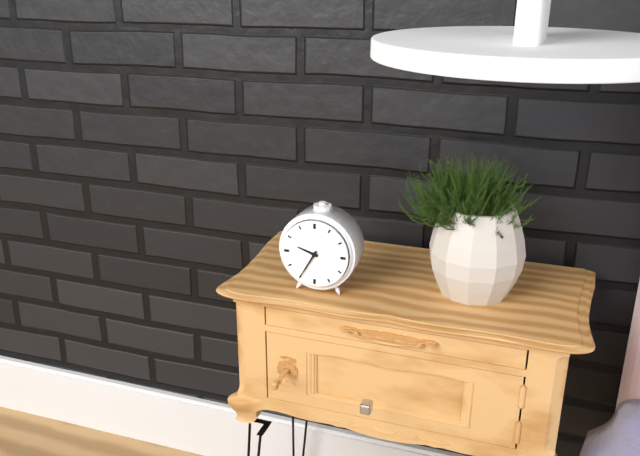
h=9 m=35
